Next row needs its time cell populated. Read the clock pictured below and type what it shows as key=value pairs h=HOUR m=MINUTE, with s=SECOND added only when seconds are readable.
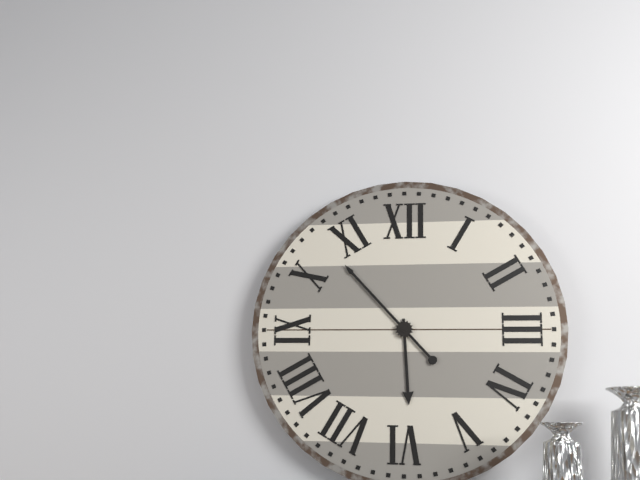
h=5 m=53
